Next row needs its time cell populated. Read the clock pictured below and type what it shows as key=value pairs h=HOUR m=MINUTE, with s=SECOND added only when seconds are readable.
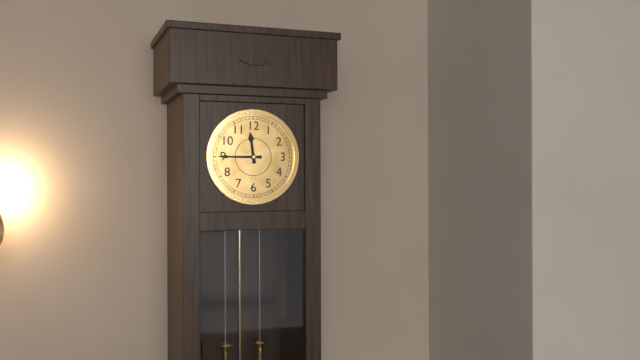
h=11 m=45
